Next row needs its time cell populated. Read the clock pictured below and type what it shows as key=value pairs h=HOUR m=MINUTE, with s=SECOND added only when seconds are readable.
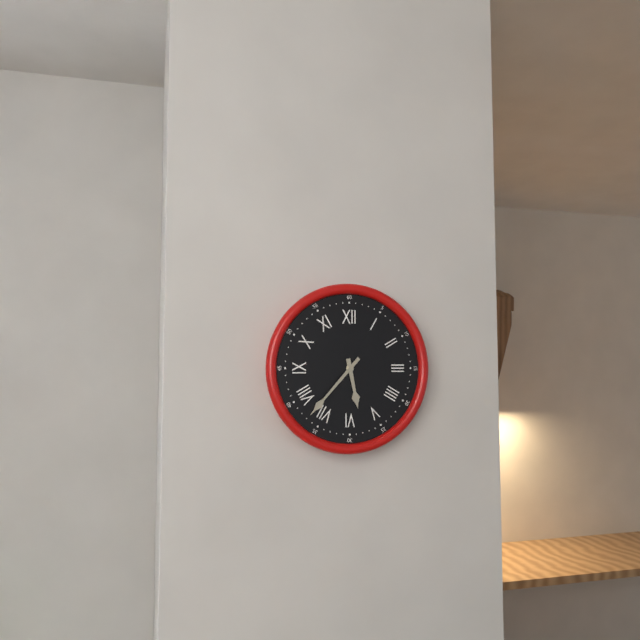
h=5 m=37
